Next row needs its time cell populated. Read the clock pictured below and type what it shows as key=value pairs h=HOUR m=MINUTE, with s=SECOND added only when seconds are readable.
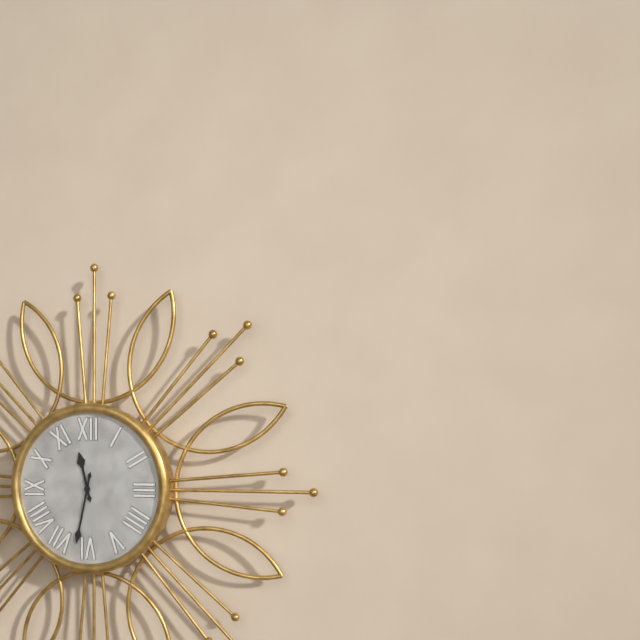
h=11 m=32
